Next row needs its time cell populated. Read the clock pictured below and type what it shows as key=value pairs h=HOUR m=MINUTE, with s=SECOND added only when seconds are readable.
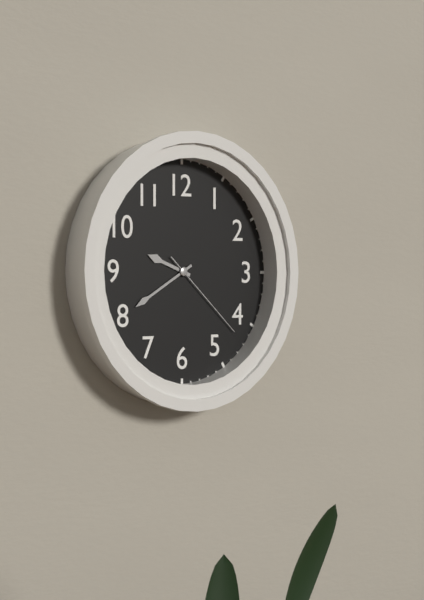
h=9 m=40 s=22
